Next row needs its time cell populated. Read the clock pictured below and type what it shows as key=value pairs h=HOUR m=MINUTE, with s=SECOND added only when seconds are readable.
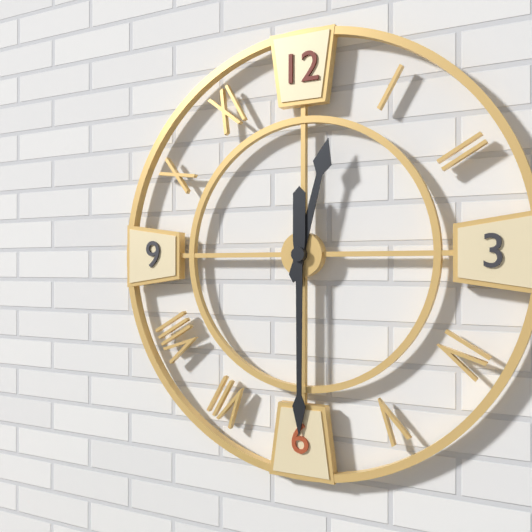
h=12 m=30
